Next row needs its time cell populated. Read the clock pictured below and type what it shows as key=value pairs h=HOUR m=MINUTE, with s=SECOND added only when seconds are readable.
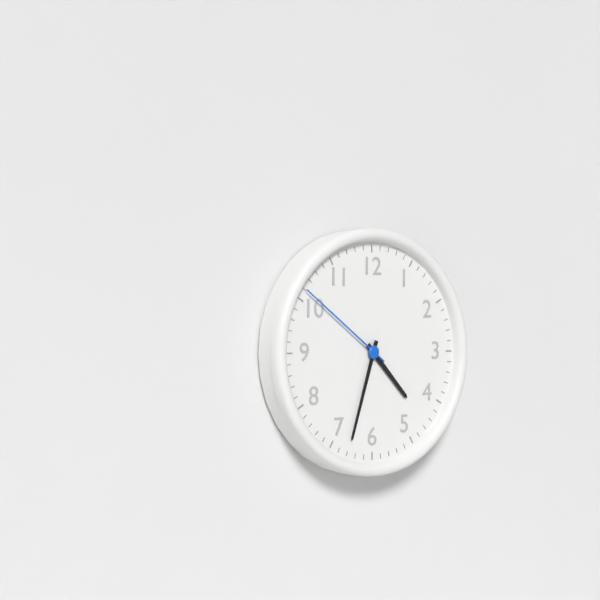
h=4 m=33 s=51
